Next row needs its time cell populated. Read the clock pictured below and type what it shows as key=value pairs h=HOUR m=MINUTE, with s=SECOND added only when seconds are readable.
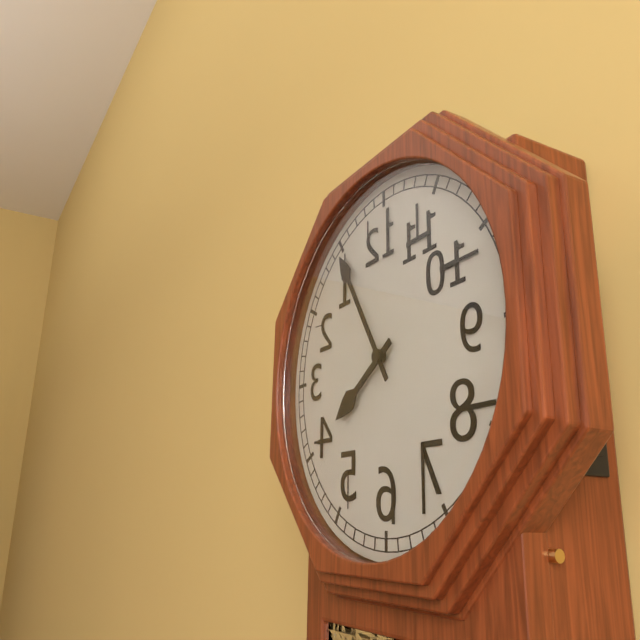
h=7 m=55
